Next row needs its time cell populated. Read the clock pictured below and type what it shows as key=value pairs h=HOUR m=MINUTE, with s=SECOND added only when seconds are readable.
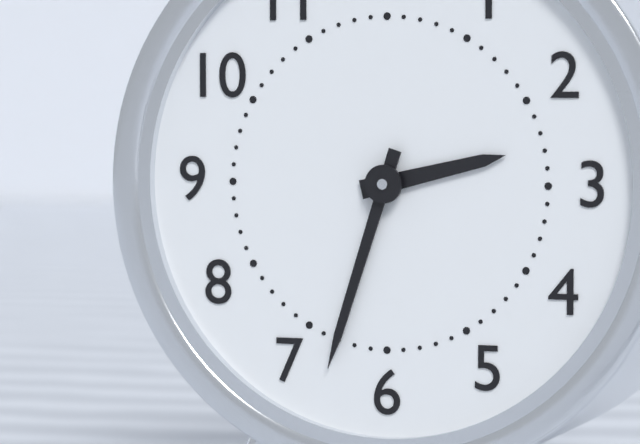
h=2 m=33
